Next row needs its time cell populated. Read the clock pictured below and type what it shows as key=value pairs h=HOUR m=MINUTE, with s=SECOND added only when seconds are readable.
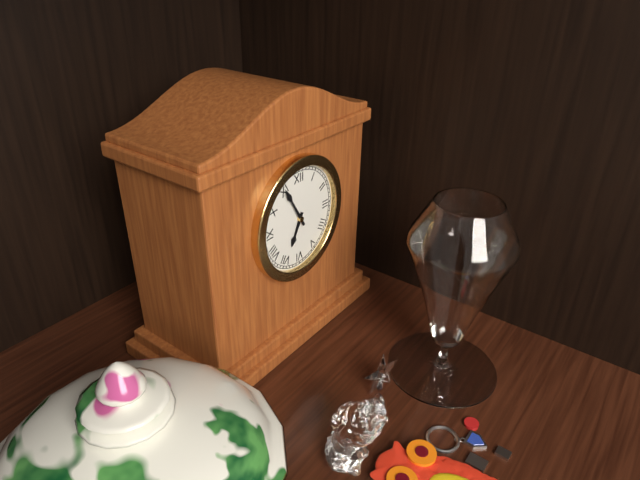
h=6 m=55
